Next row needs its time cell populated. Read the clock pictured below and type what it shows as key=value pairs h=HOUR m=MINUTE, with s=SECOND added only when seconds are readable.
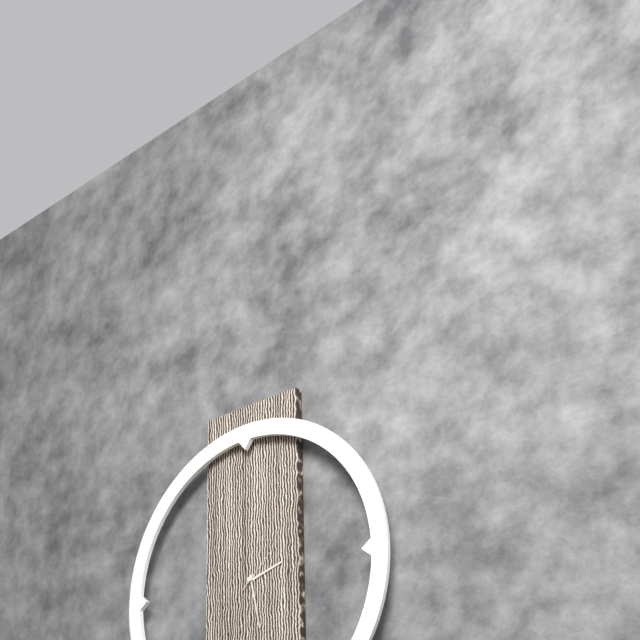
h=2 m=28
